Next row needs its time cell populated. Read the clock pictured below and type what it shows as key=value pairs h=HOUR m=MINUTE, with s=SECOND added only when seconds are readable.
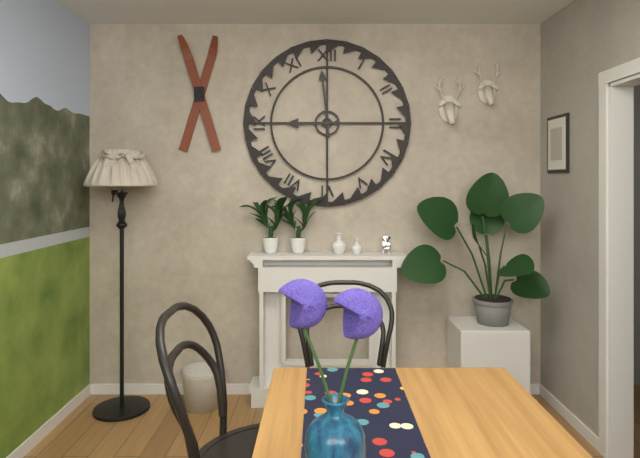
h=8 m=59
